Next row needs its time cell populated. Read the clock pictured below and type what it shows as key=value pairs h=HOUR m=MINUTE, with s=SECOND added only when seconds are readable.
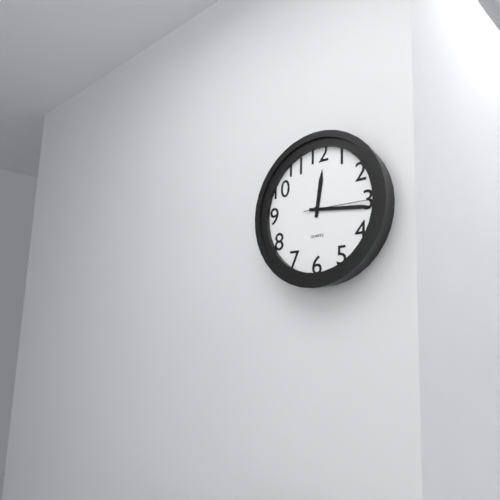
h=12 m=16 s=15
